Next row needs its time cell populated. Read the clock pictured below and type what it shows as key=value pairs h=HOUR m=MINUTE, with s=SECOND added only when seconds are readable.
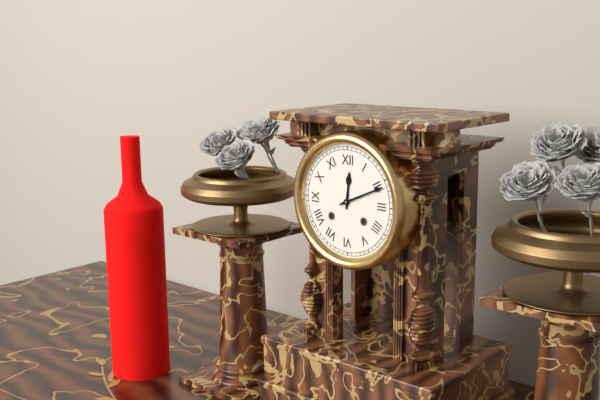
h=12 m=11
